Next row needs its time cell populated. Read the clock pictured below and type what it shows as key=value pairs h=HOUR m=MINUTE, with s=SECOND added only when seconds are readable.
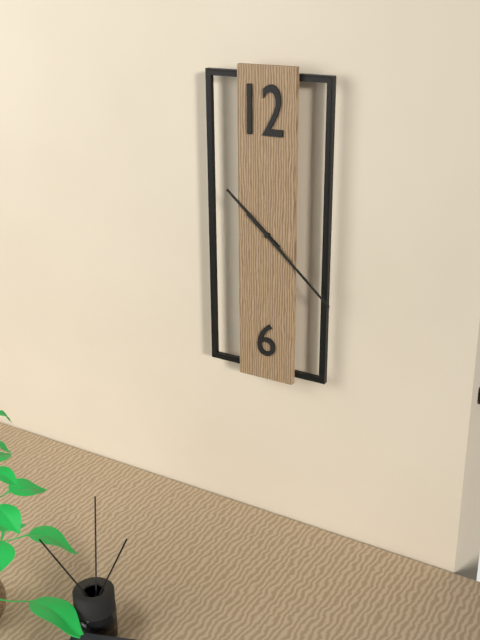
h=10 m=22
